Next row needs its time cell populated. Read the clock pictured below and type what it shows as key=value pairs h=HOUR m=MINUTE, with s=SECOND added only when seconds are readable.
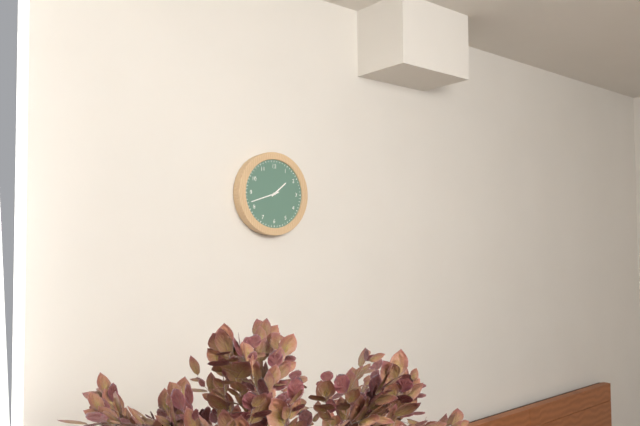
h=1 m=42
